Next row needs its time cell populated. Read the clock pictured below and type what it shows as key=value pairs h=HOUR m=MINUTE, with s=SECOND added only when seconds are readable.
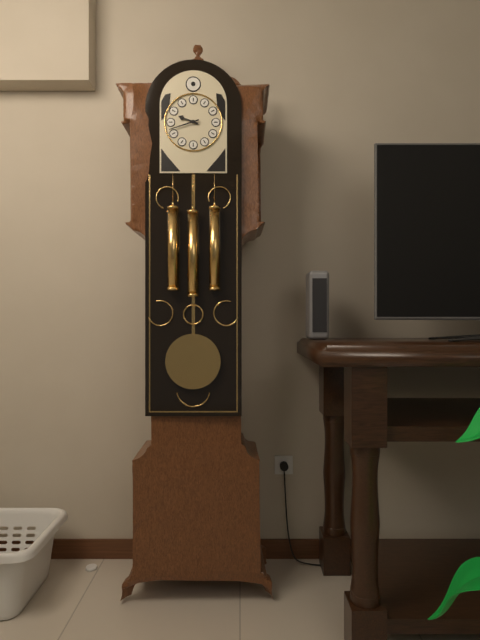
h=9 m=42
